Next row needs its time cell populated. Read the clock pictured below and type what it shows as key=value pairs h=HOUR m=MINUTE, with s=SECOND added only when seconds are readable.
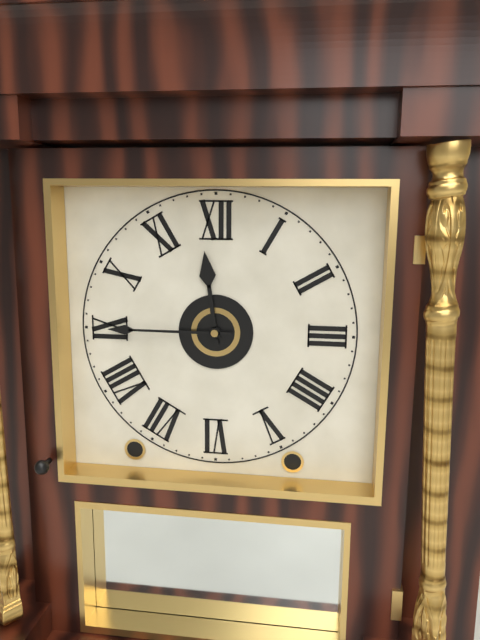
h=11 m=45
